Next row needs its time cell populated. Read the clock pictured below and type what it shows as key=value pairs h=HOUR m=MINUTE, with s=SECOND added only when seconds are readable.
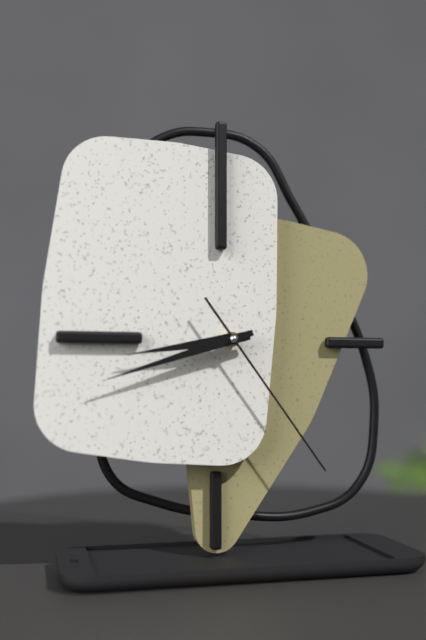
h=8 m=42 s=24
